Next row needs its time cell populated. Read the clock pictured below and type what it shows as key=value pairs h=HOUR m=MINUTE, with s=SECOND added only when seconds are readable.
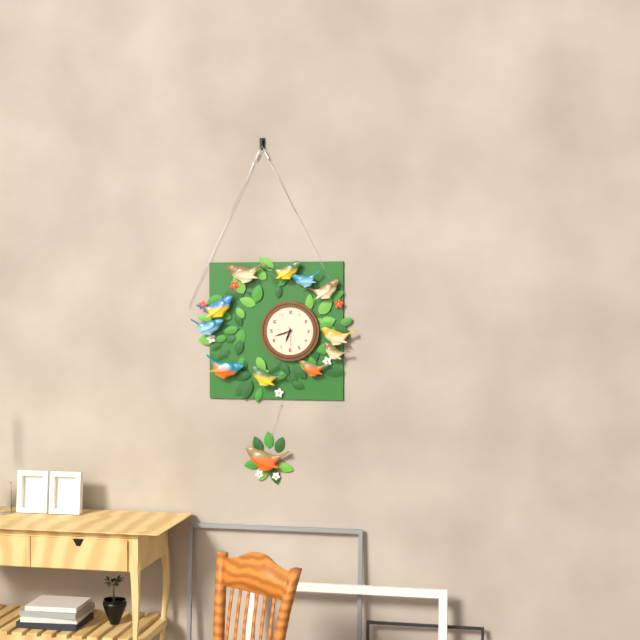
h=6 m=42
